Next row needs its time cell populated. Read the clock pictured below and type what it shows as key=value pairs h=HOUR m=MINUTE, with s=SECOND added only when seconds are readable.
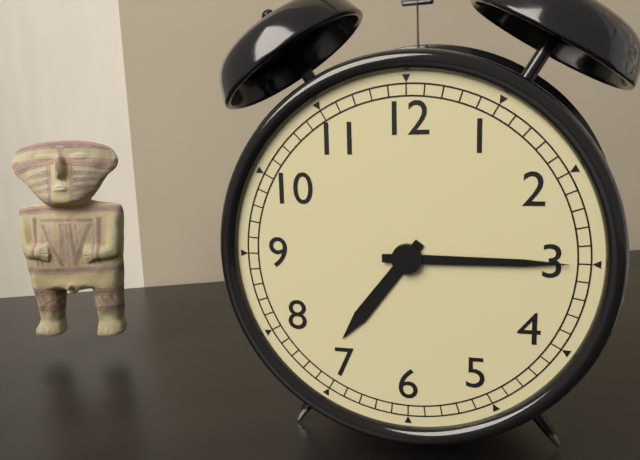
h=7 m=15
